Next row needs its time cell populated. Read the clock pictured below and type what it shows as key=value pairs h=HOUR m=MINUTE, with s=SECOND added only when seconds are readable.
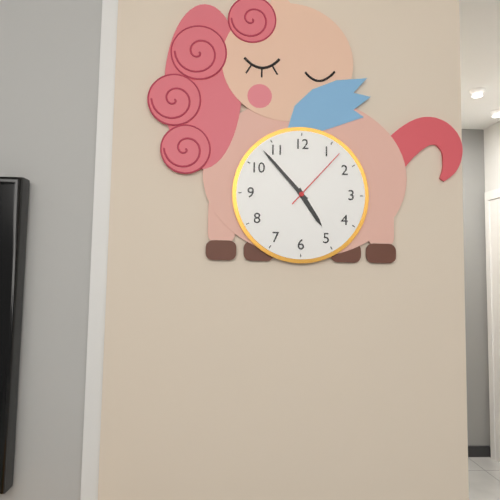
h=4 m=53 s=7
